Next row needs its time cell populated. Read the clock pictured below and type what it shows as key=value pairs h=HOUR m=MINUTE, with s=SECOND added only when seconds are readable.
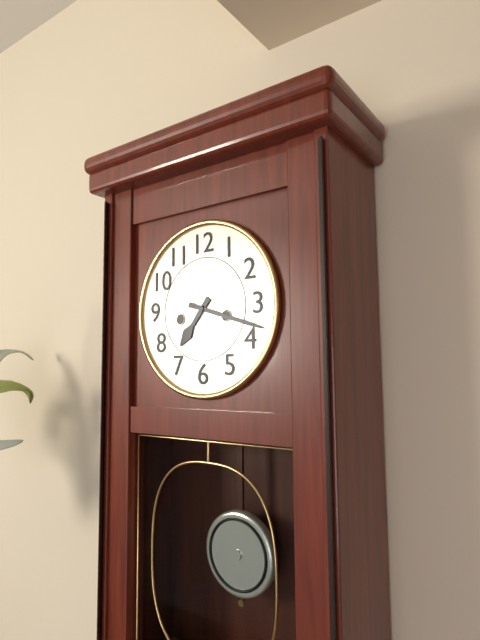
h=7 m=18
